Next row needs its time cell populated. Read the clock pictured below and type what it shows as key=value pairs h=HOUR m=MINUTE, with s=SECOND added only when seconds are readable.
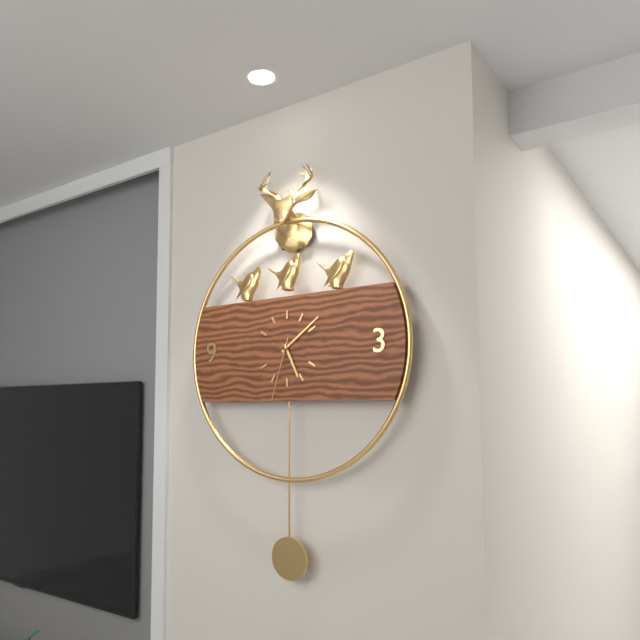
h=5 m=9 s=33
